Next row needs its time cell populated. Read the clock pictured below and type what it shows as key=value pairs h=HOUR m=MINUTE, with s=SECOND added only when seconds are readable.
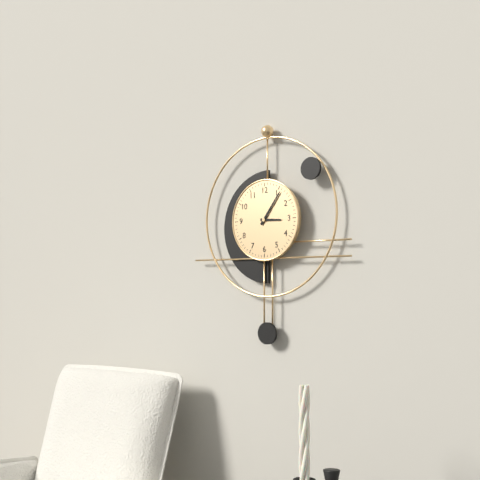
h=3 m=6
